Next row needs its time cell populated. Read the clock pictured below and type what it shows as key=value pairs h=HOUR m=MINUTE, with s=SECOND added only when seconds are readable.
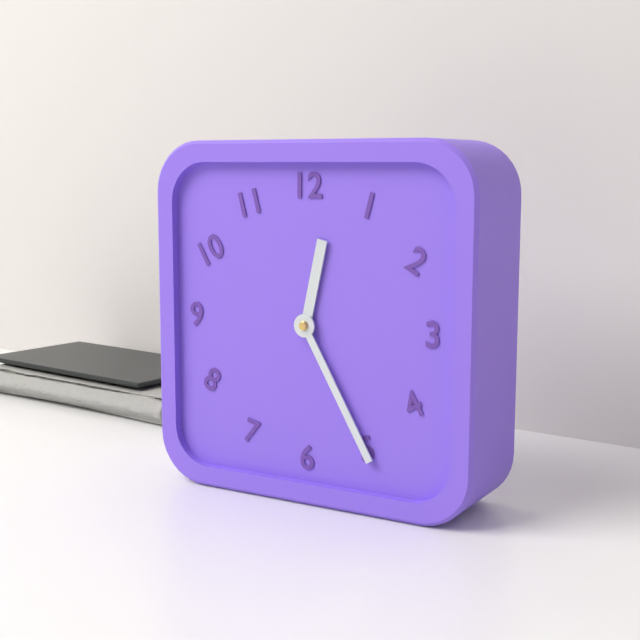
h=12 m=25
